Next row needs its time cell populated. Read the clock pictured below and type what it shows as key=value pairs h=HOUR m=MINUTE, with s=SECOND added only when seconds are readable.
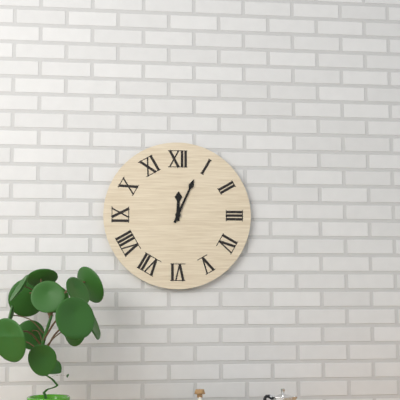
h=12 m=4
